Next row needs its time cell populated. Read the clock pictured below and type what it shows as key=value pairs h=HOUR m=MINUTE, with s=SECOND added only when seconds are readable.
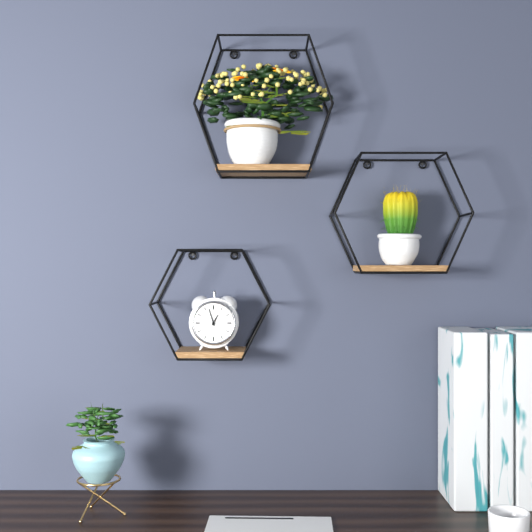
h=12 m=57
